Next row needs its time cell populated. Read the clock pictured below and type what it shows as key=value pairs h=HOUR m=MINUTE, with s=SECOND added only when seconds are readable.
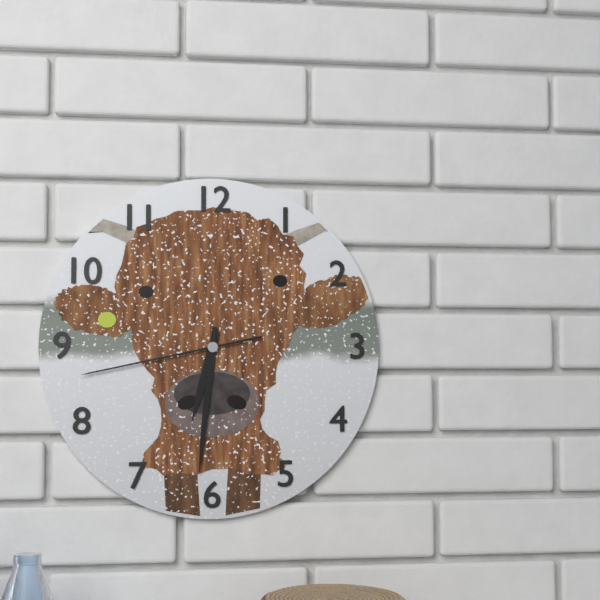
h=6 m=31 s=43
